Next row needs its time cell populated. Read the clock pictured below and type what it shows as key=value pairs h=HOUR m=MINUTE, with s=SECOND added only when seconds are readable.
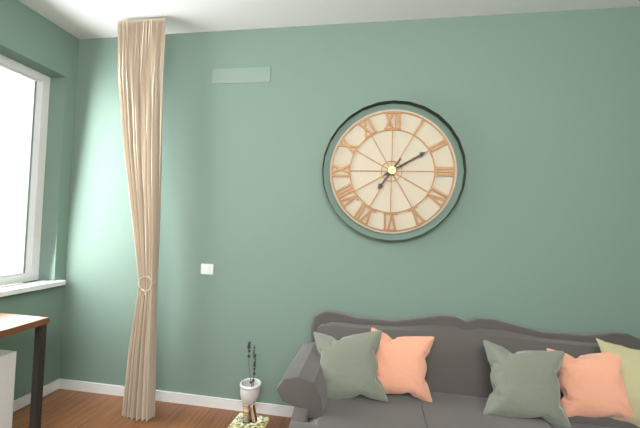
h=7 m=10
